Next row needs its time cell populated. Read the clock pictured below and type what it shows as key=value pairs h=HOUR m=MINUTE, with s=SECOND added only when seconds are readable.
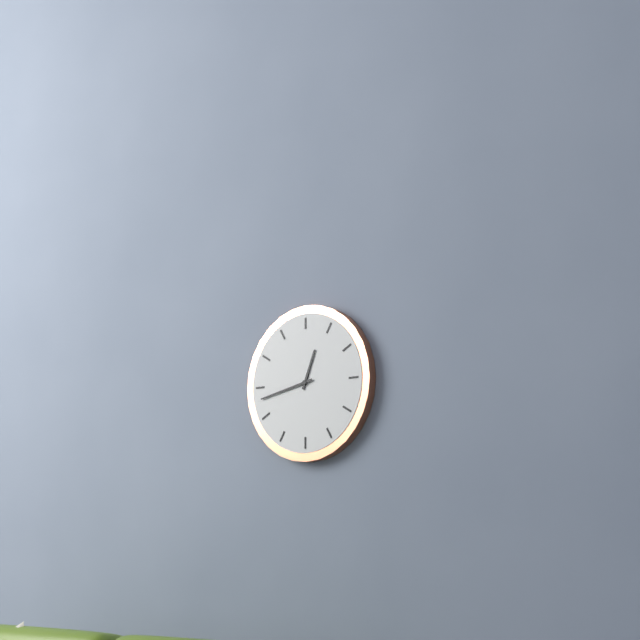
h=12 m=43
